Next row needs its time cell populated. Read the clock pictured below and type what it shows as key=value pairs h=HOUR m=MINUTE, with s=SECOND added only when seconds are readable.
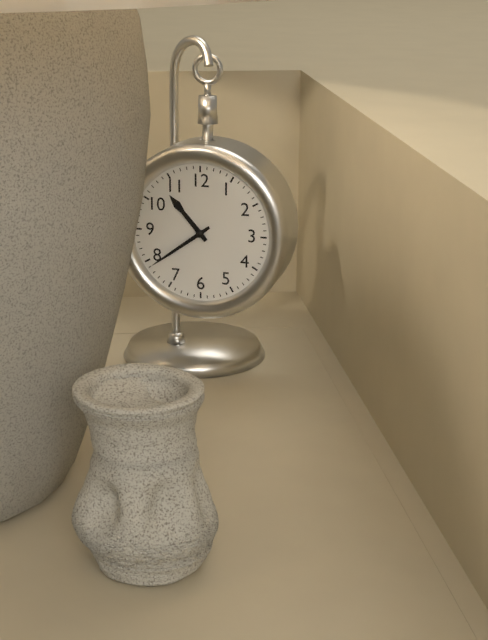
h=10 m=39
